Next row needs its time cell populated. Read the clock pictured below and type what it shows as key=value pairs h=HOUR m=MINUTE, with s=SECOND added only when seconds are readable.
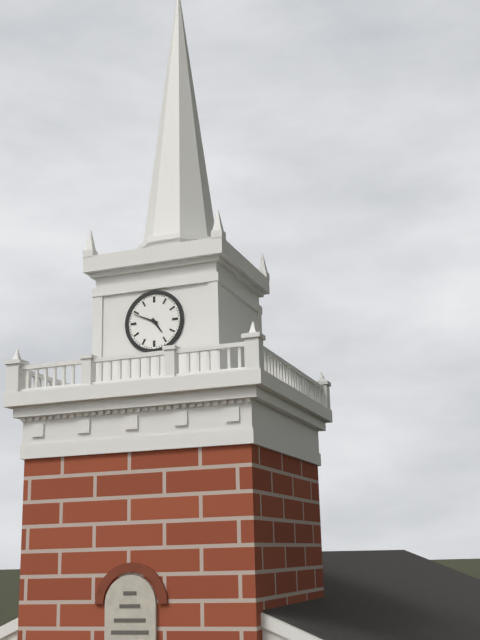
h=4 m=49
